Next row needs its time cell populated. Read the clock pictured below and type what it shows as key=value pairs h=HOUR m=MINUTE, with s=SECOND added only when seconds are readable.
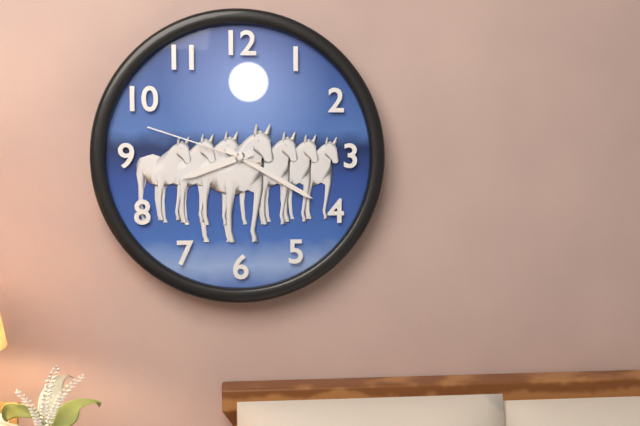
h=8 m=20 s=48
